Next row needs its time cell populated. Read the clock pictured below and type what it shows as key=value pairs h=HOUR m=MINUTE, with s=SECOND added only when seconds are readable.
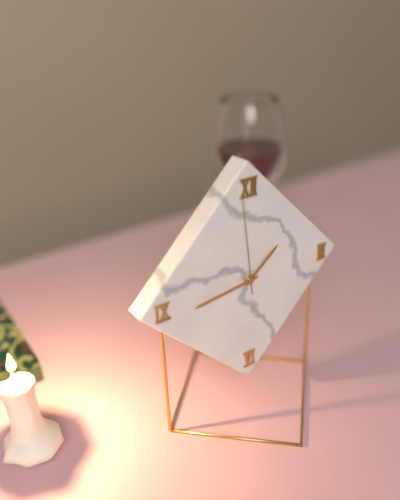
h=1 m=44 s=59
